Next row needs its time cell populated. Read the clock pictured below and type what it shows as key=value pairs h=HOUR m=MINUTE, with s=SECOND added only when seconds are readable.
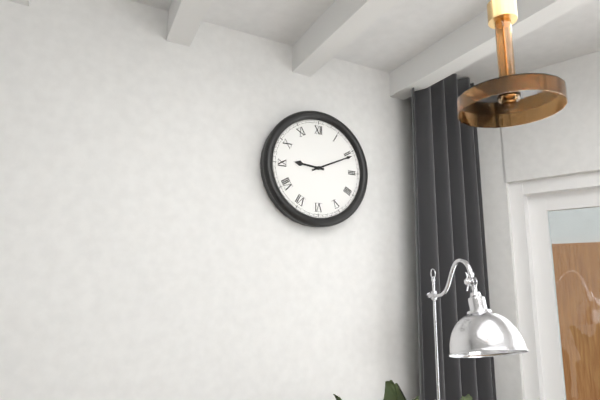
h=9 m=11
